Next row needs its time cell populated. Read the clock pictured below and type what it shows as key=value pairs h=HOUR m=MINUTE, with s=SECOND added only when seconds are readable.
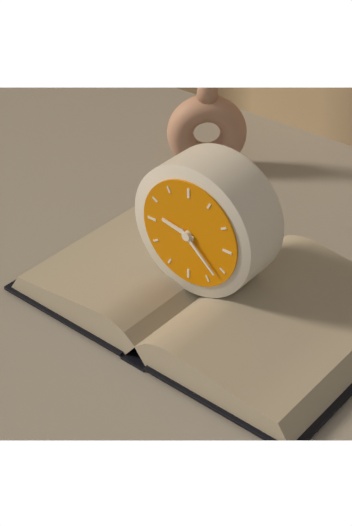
h=9 m=22
